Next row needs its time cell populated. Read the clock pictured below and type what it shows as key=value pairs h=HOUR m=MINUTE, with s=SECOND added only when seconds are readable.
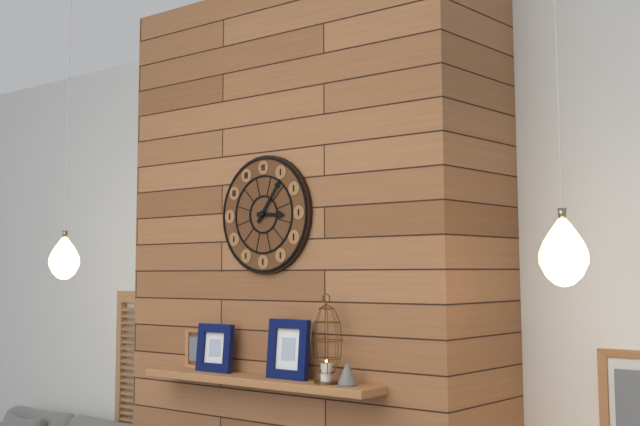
h=3 m=6
